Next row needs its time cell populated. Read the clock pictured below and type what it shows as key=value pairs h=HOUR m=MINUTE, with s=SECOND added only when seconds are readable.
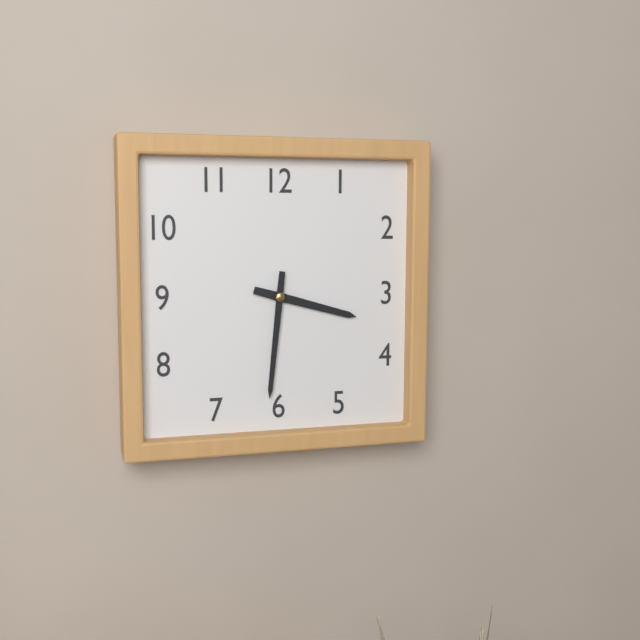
h=3 m=31
